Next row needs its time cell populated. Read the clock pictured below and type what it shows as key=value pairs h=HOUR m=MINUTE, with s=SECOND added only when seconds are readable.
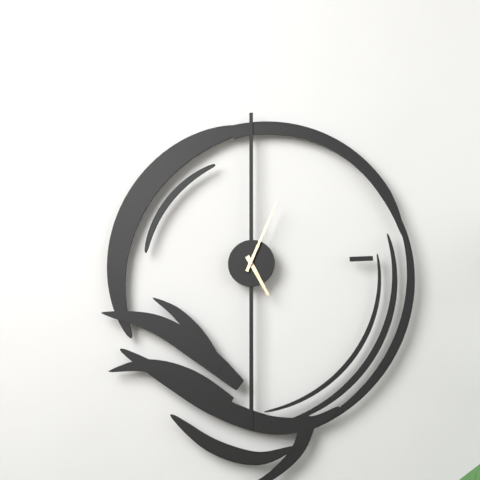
h=5 m=4
